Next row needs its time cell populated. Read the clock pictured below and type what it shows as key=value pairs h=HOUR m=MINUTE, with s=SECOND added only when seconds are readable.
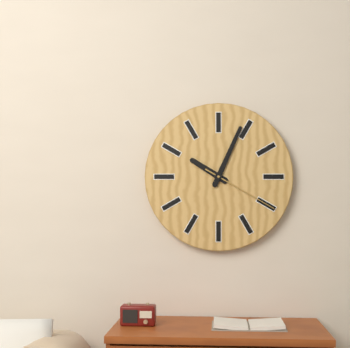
h=10 m=4 s=20
